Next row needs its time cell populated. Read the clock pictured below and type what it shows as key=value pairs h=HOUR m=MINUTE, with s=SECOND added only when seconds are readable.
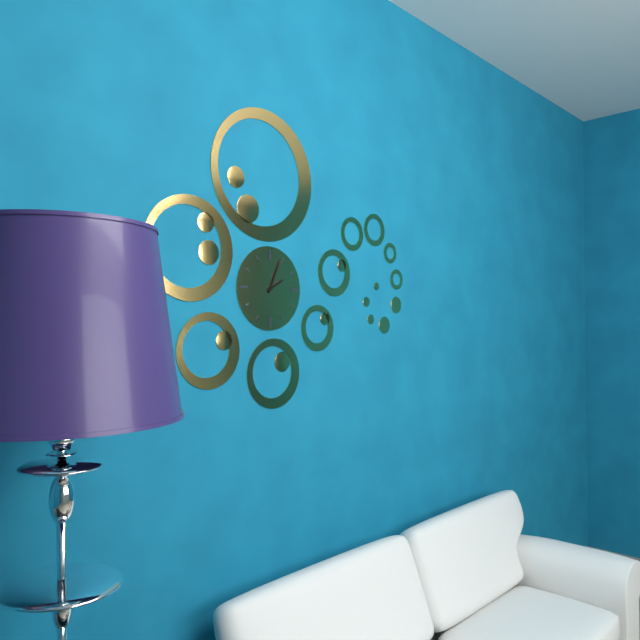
h=2 m=4
